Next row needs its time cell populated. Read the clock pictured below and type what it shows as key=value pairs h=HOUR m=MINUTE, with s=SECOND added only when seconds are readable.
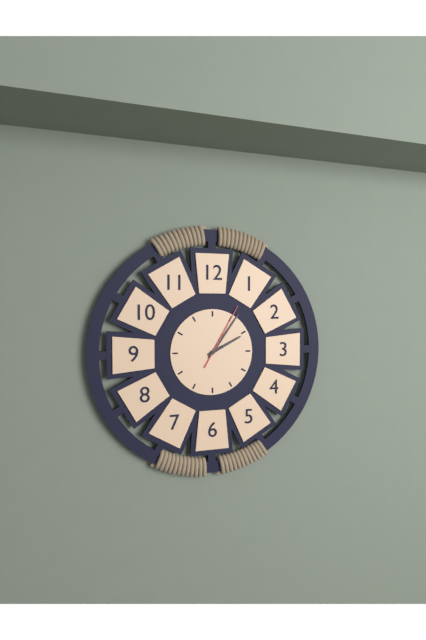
h=2 m=6 s=5
